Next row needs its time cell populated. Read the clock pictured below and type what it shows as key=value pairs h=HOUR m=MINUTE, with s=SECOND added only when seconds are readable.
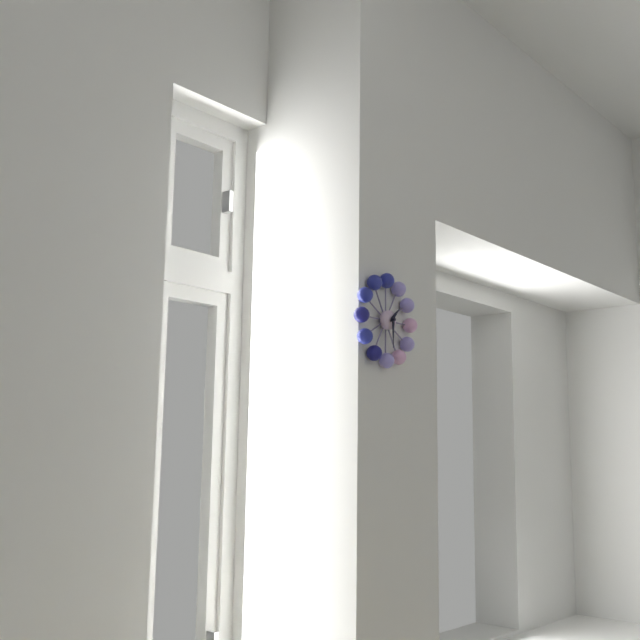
h=1 m=30
